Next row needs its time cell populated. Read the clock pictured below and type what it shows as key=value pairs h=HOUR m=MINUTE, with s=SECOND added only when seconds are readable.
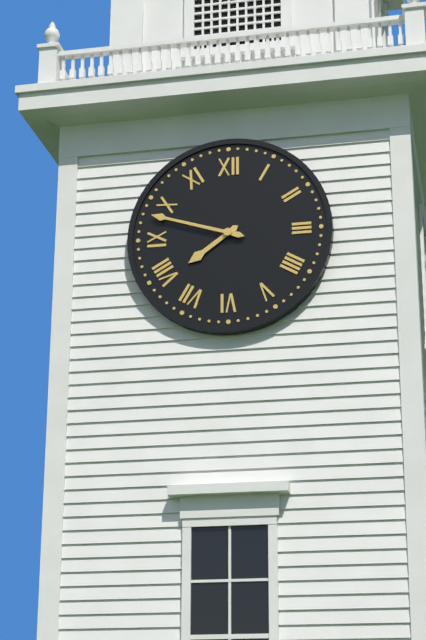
h=7 m=48
